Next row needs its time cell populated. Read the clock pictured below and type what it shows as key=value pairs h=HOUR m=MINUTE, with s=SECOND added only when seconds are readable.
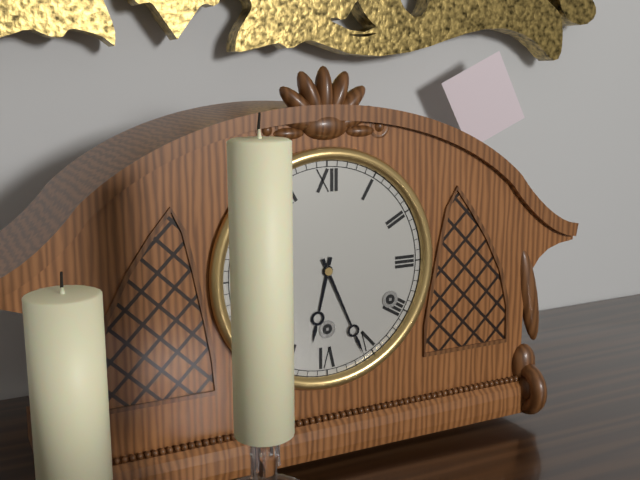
h=6 m=26
